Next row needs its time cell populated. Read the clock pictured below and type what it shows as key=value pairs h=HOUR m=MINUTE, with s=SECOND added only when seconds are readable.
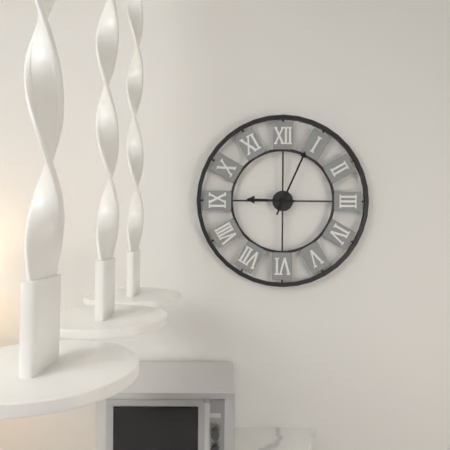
h=9 m=4
